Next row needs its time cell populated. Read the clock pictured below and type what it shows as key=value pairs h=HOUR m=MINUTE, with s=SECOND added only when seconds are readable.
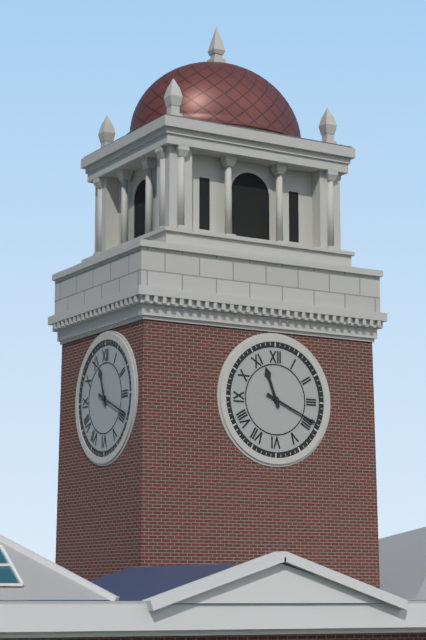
h=11 m=19
